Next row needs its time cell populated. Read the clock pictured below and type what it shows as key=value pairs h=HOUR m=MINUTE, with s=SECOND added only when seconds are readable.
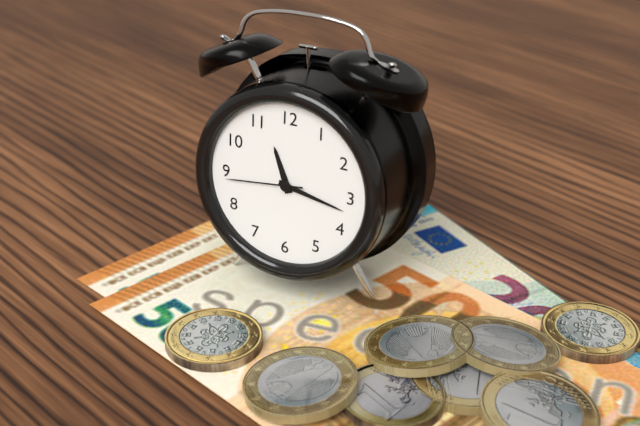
h=11 m=17 s=44
